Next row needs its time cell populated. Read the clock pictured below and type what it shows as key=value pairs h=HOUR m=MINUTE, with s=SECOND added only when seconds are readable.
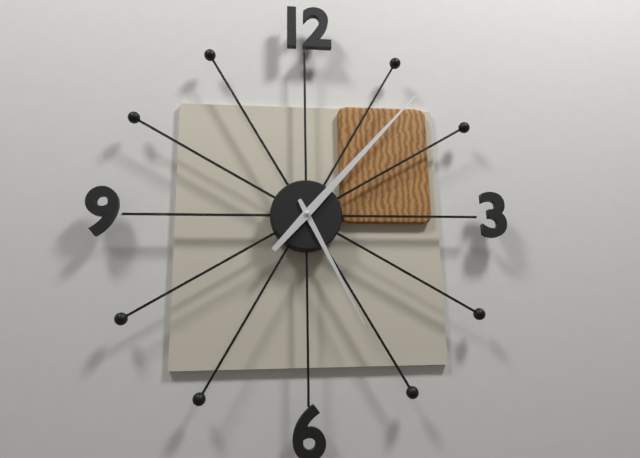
h=5 m=7
